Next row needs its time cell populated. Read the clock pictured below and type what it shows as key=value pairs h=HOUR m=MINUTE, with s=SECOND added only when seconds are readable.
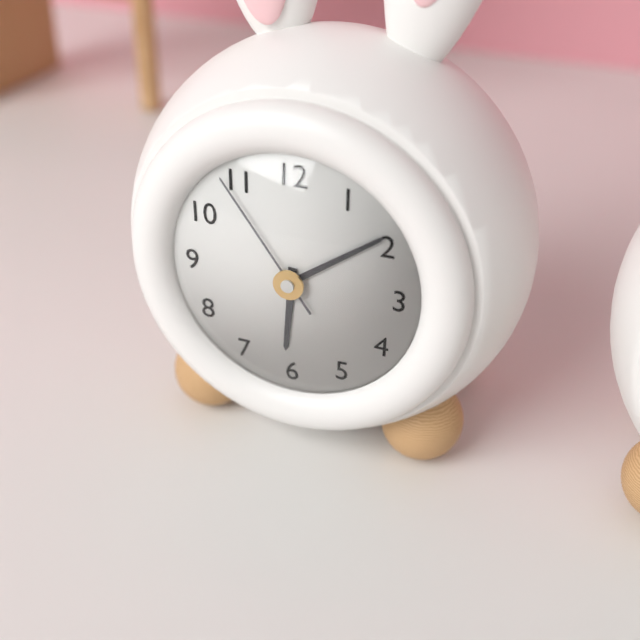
h=6 m=9 s=54
